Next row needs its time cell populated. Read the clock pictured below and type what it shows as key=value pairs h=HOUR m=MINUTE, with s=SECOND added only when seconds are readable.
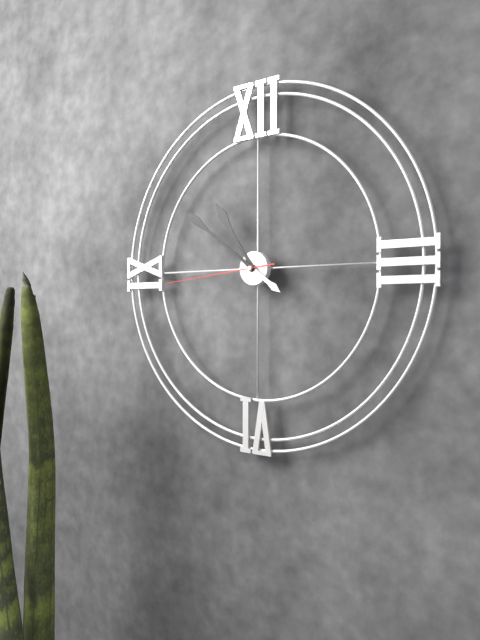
h=10 m=51 s=44
